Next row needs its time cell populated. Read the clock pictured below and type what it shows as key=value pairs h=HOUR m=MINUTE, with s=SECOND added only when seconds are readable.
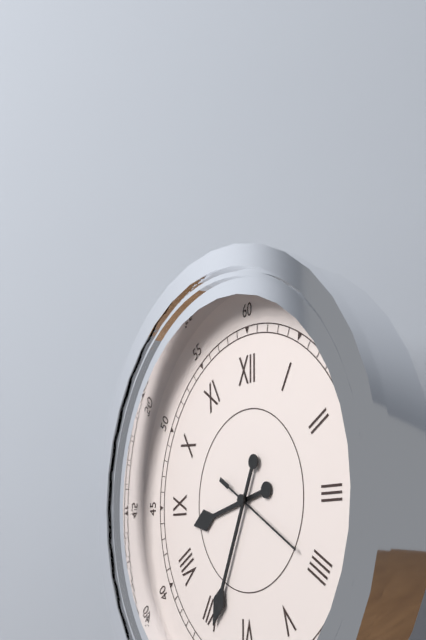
h=8 m=34 s=20
